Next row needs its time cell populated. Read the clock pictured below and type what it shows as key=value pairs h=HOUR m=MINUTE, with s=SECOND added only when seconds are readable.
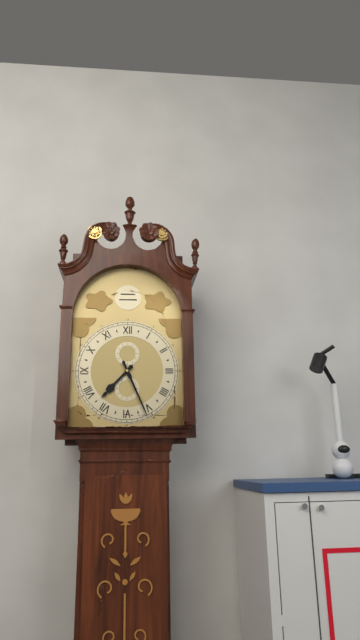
h=7 m=26
